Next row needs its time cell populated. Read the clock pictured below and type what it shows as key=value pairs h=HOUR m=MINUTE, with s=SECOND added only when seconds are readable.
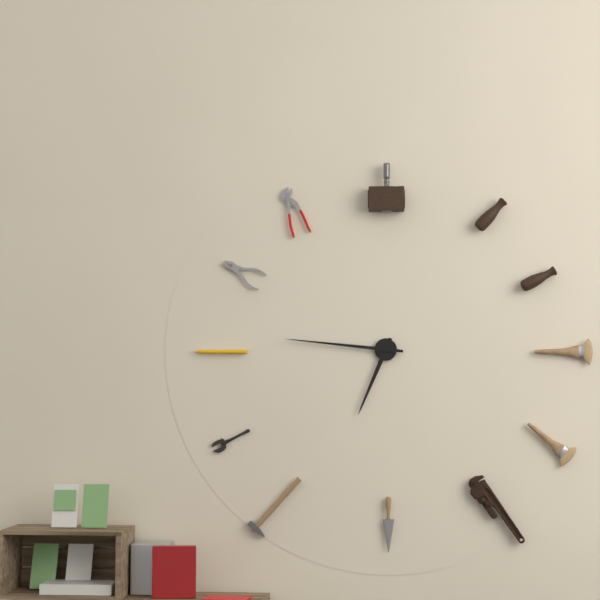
h=6 m=46
